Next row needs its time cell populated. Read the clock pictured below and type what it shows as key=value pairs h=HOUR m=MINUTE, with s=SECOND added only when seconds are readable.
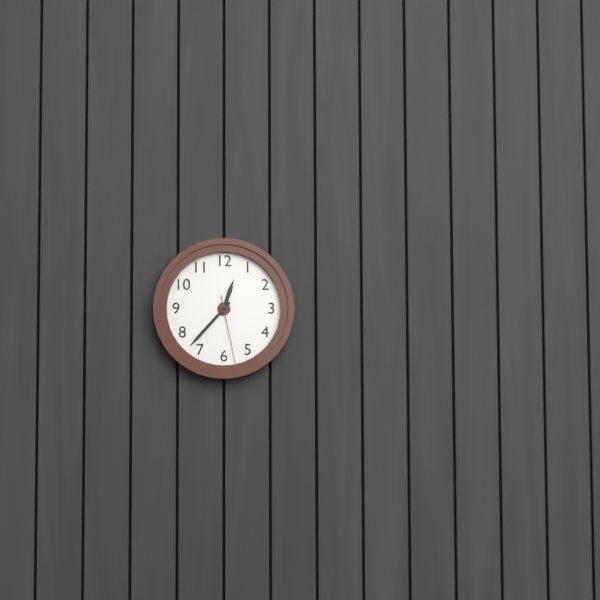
h=12 m=37 s=28
